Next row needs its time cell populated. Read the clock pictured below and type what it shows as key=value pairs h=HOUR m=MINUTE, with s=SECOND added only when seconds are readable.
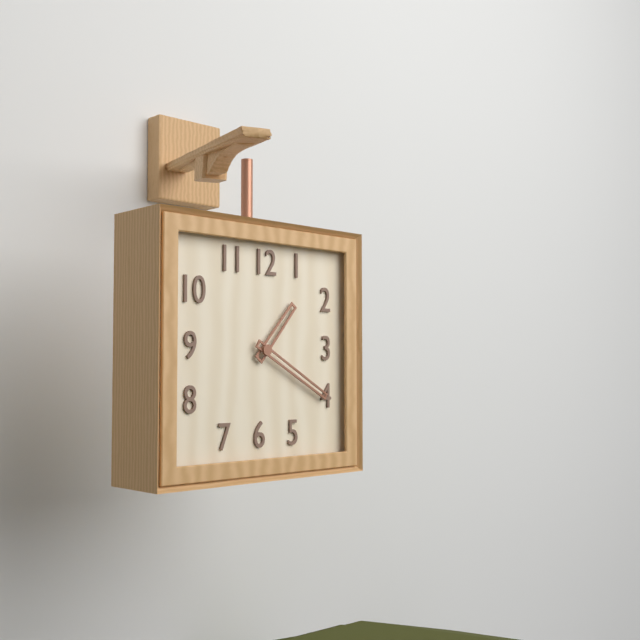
h=1 m=20
